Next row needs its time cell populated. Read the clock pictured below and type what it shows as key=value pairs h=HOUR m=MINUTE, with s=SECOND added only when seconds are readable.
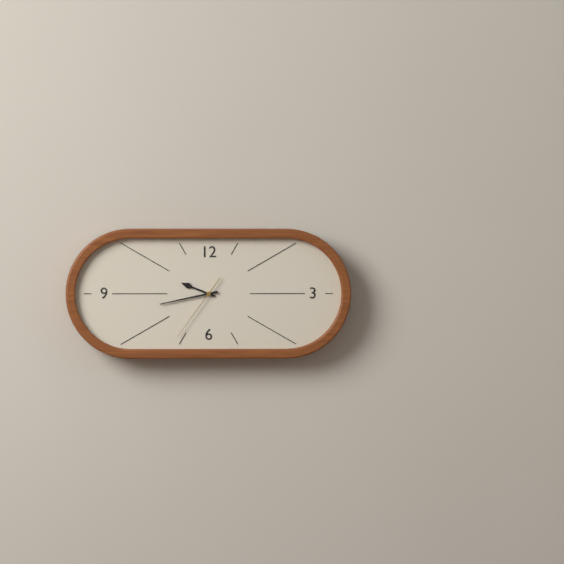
h=9 m=43 s=36
